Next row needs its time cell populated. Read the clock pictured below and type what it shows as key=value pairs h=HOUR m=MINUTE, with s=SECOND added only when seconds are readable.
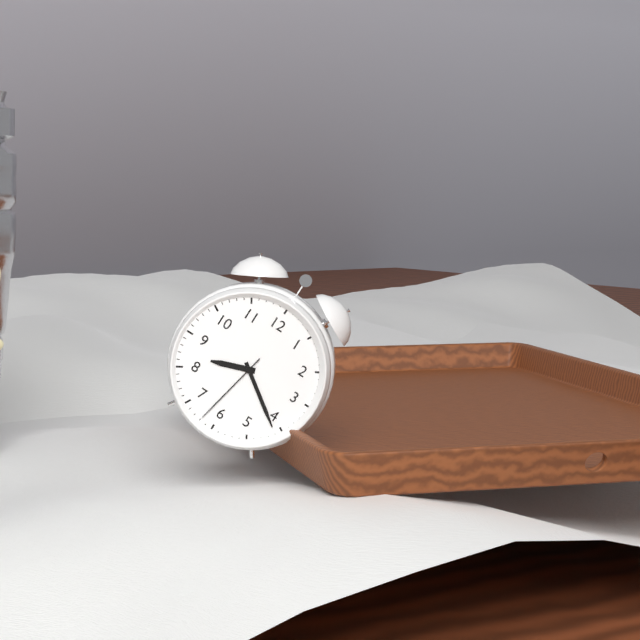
h=8 m=21 s=32
